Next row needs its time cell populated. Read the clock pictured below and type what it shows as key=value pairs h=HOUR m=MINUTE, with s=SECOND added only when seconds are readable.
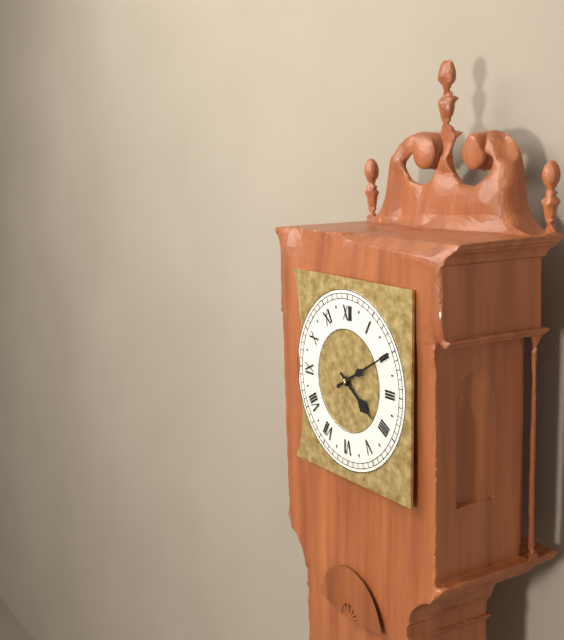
h=4 m=10
